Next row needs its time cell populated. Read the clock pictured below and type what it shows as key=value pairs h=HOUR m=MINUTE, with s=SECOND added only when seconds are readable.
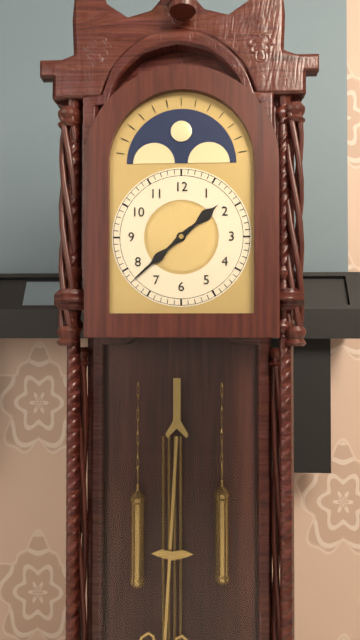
h=1 m=38
